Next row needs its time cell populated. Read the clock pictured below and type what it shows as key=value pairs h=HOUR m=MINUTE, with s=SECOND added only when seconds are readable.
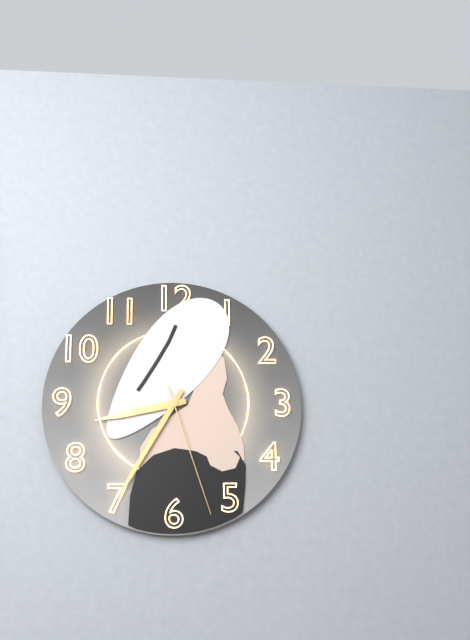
h=8 m=35 s=27
